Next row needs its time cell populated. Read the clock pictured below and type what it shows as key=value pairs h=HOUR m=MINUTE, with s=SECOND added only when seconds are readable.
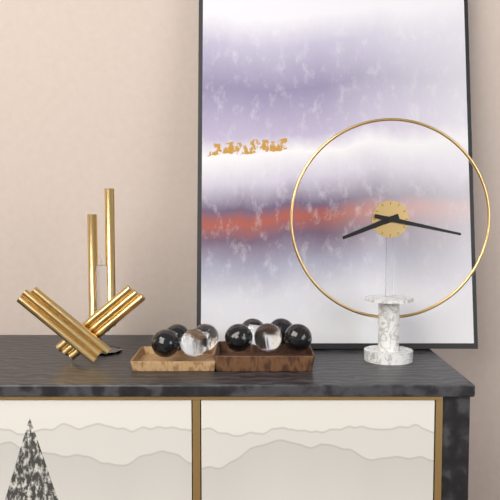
h=8 m=17
